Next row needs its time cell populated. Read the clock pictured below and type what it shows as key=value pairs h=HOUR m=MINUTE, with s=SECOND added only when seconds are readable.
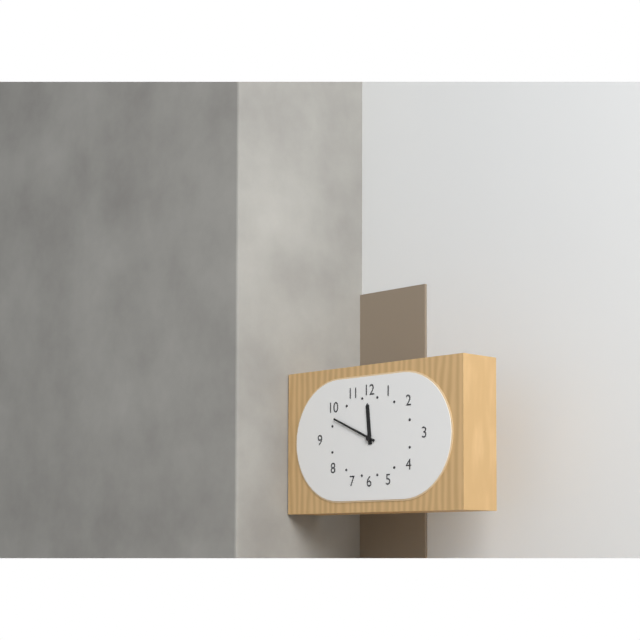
h=11 m=49
